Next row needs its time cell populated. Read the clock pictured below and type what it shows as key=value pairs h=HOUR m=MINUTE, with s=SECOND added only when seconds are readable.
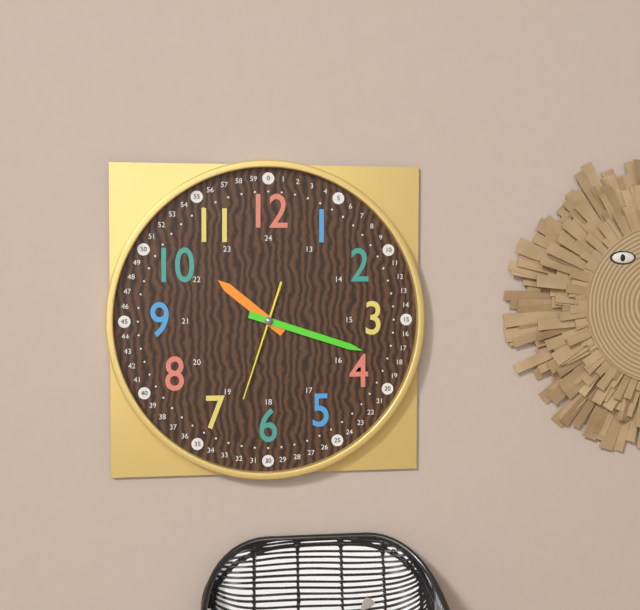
h=10 m=18 s=33
